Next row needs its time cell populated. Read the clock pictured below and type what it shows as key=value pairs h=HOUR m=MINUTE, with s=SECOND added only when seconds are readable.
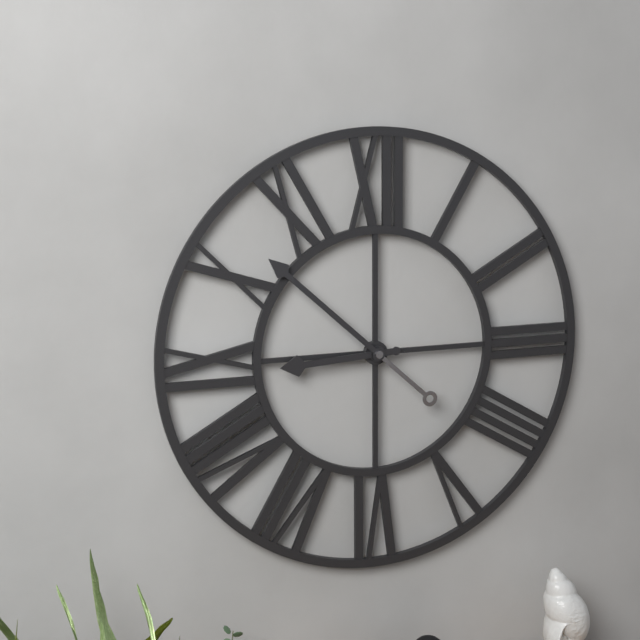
h=8 m=52
